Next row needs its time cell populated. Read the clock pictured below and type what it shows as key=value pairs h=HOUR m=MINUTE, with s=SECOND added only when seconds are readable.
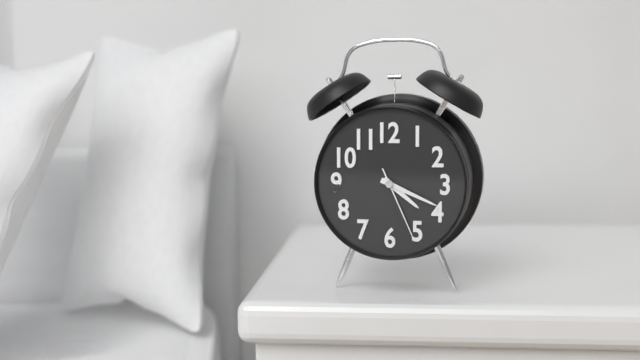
h=4 m=19 s=26
